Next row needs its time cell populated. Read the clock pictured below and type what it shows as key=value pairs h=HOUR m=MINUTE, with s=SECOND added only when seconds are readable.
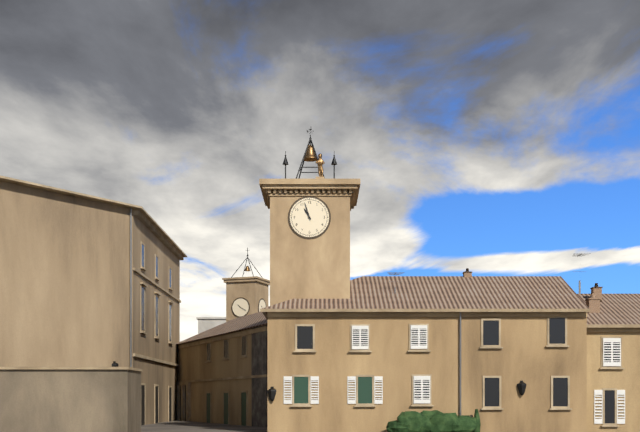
h=10 m=57
